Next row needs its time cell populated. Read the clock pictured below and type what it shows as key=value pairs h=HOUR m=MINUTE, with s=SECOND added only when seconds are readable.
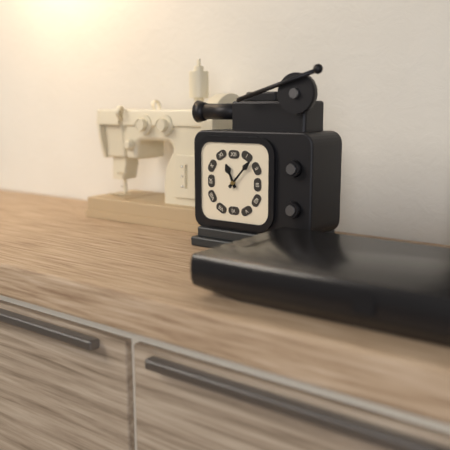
h=11 m=7
